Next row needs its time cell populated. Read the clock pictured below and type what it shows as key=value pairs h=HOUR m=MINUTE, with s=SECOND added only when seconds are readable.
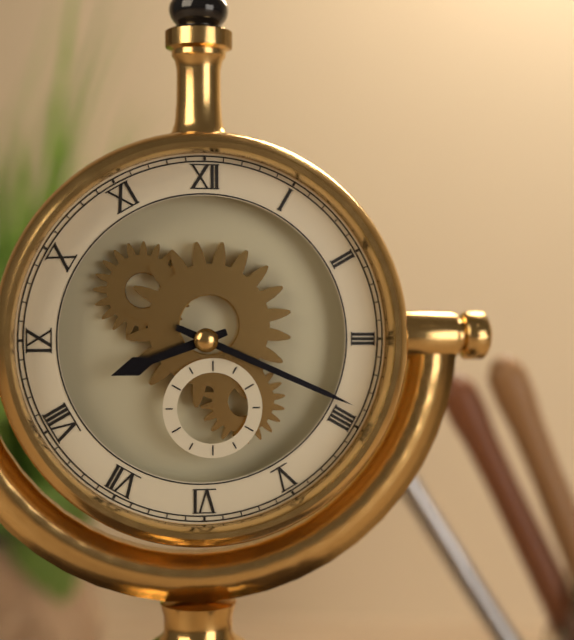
h=8 m=19
